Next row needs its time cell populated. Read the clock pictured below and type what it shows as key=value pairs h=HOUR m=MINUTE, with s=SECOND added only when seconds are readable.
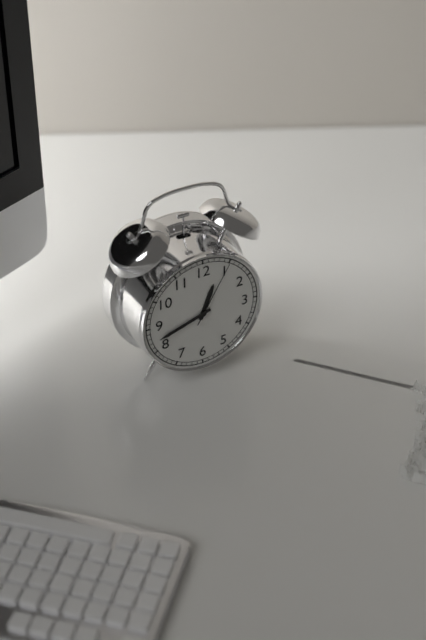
h=12 m=42 s=5
